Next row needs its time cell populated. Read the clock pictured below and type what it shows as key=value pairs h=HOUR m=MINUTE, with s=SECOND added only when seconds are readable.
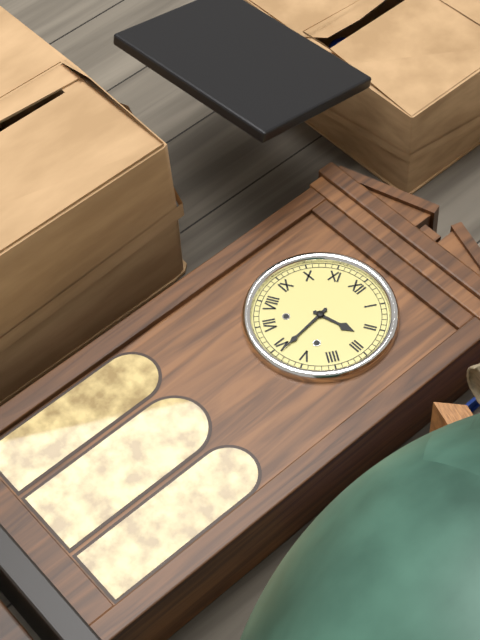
h=2 m=29
